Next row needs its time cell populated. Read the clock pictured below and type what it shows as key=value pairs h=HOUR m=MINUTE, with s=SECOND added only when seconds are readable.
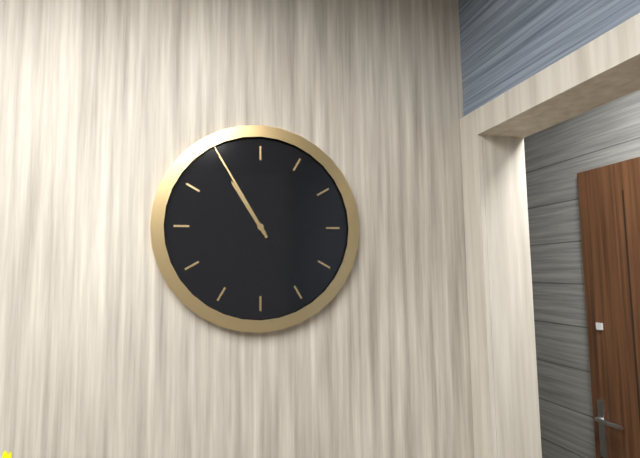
h=10 m=55
